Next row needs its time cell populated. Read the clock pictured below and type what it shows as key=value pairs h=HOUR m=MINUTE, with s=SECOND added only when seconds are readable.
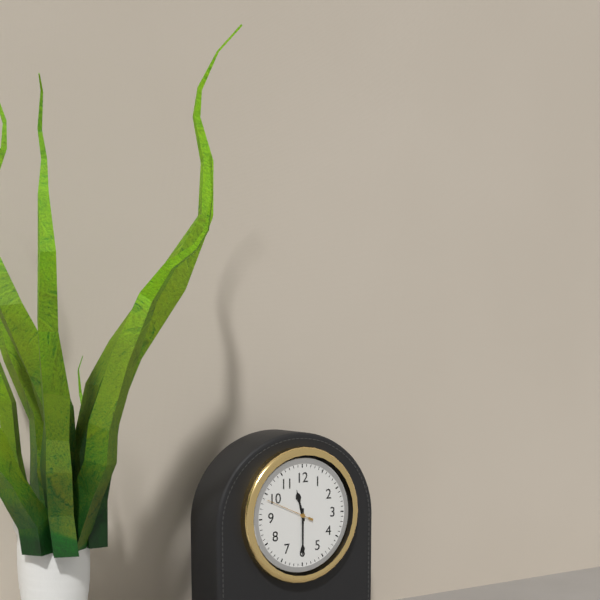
h=11 m=30
